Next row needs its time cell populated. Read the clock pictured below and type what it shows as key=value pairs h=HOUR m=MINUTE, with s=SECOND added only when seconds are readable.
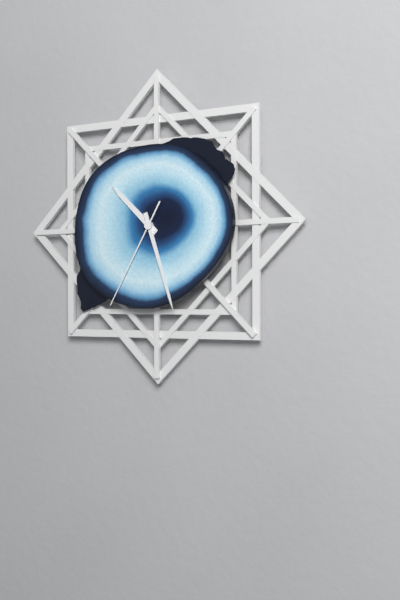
h=10 m=27 s=35
